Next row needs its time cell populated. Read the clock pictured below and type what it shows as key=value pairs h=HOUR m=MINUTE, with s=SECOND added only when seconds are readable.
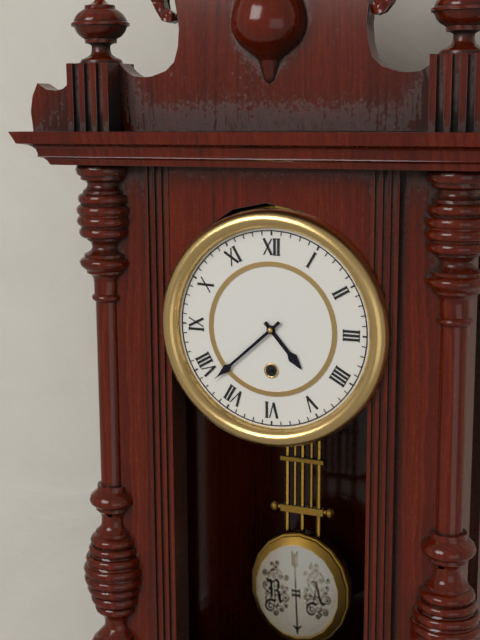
h=4 m=38
